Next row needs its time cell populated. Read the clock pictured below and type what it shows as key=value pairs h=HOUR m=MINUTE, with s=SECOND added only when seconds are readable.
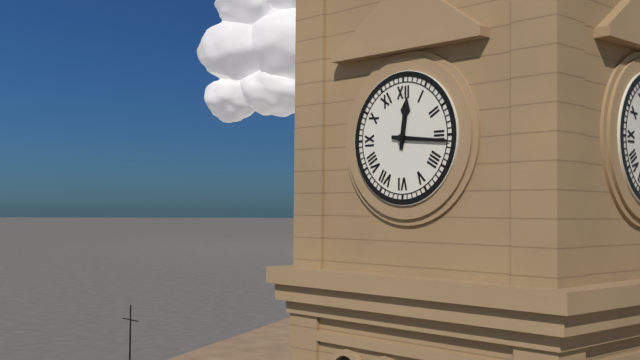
h=12 m=16
